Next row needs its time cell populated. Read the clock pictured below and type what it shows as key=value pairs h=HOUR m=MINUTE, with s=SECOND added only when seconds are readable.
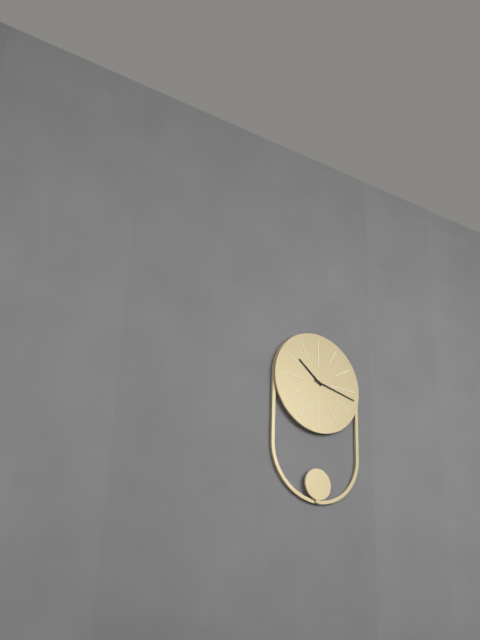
h=10 m=17
